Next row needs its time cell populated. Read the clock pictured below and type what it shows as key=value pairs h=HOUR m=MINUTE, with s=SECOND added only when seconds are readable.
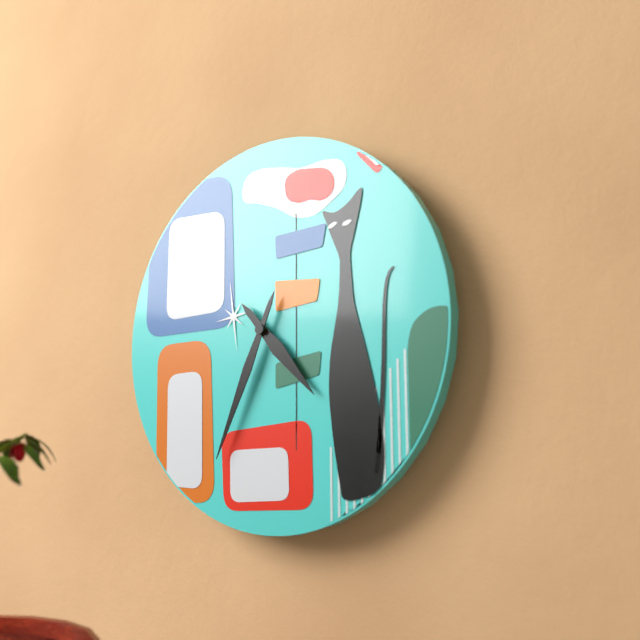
h=4 m=34
